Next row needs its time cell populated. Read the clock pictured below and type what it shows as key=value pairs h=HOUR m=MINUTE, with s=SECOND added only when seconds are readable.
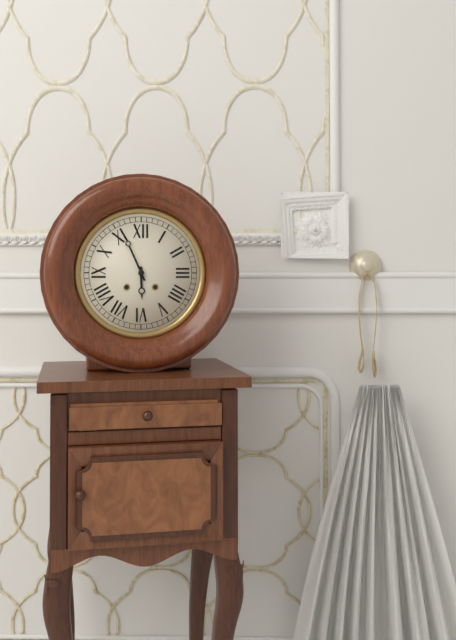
h=5 m=56
